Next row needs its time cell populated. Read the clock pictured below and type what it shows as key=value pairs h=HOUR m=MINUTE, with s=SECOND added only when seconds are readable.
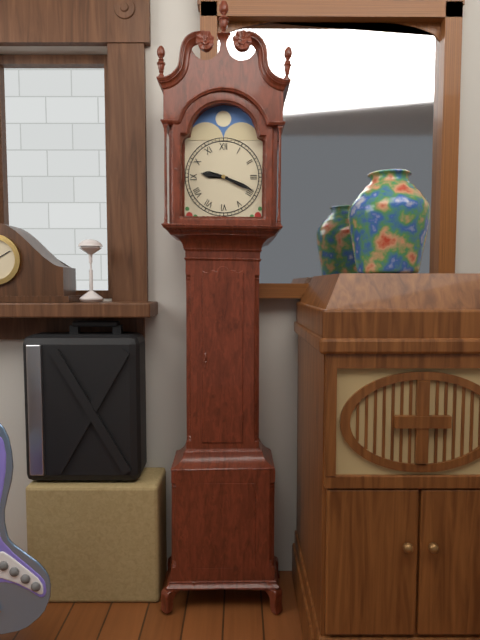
h=9 m=19
